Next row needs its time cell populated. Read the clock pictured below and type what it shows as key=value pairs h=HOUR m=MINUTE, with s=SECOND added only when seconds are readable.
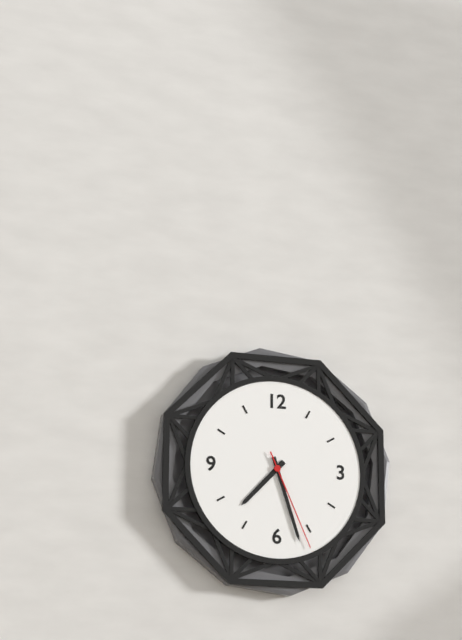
h=7 m=27 s=26
